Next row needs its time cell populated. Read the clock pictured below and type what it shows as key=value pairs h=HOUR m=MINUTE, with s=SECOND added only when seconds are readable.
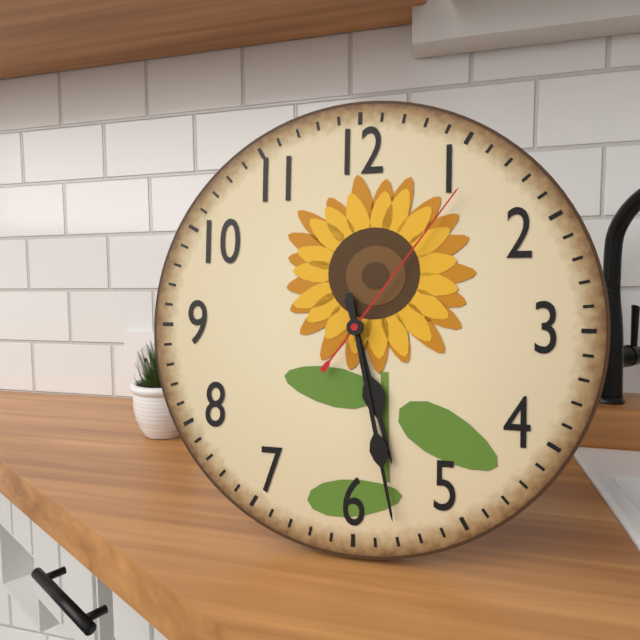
h=5 m=28 s=6
